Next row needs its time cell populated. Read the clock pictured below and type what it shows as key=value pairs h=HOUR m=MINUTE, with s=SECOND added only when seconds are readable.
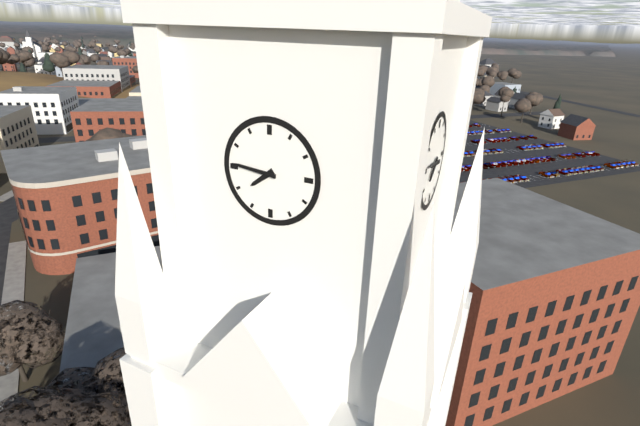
h=7 m=46
